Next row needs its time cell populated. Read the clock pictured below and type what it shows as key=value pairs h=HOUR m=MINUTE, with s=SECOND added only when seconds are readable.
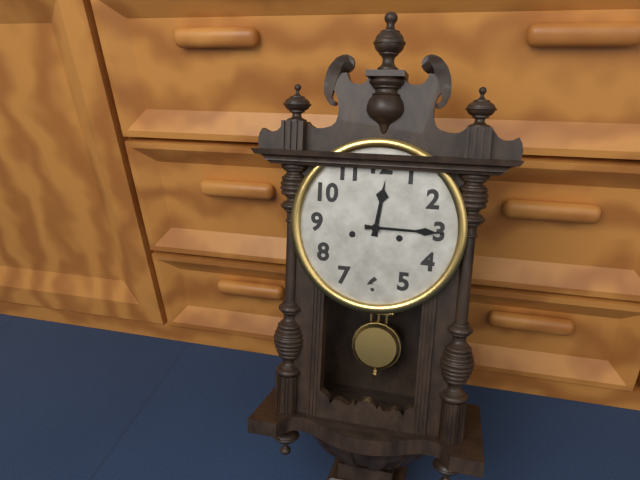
h=12 m=15
